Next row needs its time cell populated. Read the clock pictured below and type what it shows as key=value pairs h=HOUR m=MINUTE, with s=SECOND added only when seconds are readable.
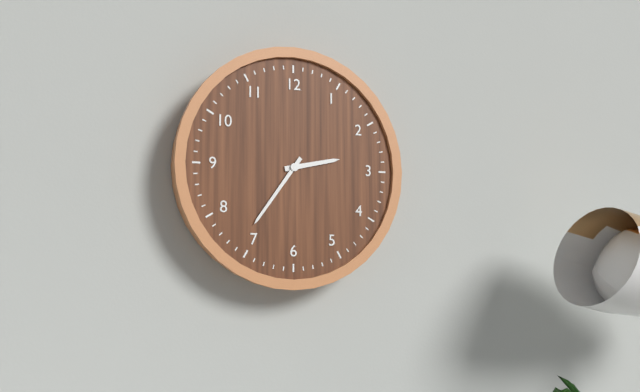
h=2 m=36
